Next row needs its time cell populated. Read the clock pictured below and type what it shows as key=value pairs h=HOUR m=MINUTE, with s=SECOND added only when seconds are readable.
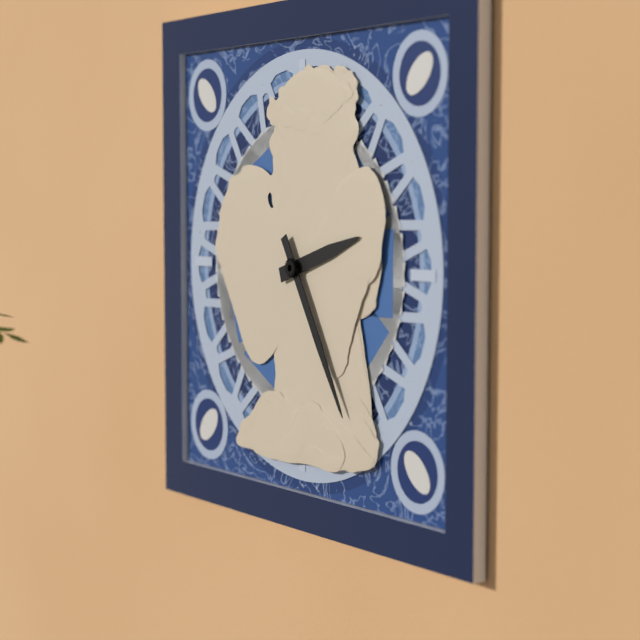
h=2 m=25
